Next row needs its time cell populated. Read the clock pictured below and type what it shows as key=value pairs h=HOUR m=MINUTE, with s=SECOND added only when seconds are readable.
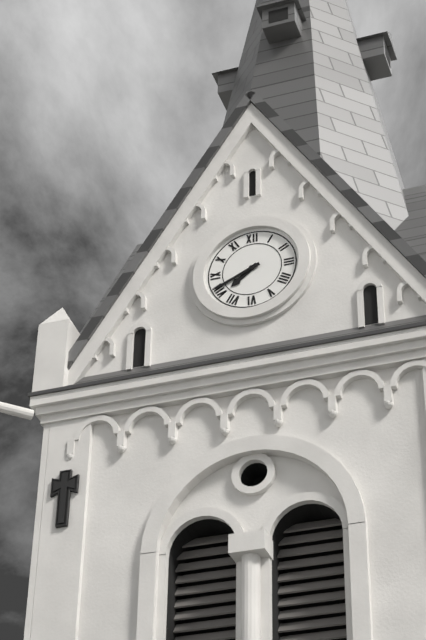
h=7 m=41
